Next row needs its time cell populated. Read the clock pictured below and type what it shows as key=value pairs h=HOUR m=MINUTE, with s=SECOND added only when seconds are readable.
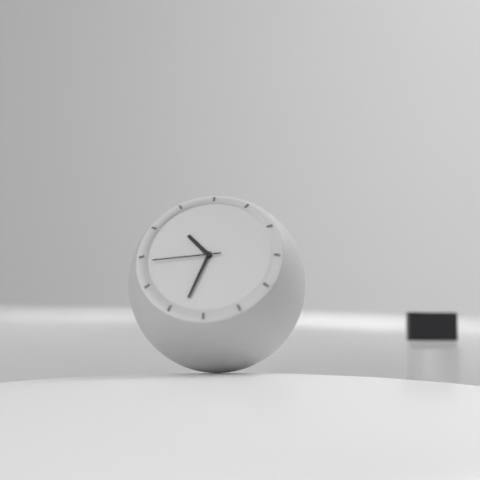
h=10 m=33 s=44
